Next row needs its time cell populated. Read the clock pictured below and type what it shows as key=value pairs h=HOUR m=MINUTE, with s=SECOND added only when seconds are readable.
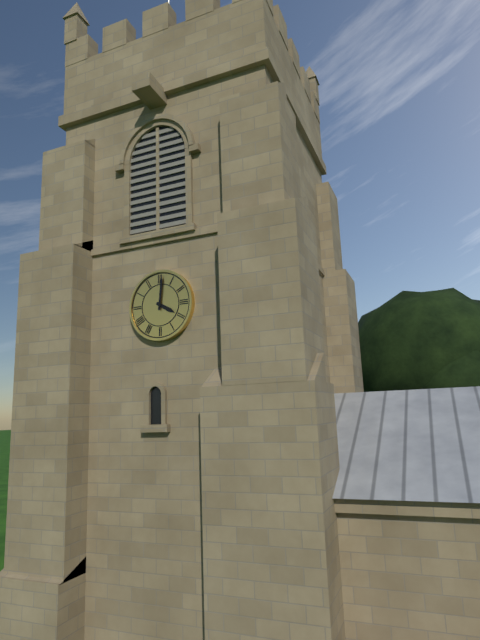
h=4 m=1
